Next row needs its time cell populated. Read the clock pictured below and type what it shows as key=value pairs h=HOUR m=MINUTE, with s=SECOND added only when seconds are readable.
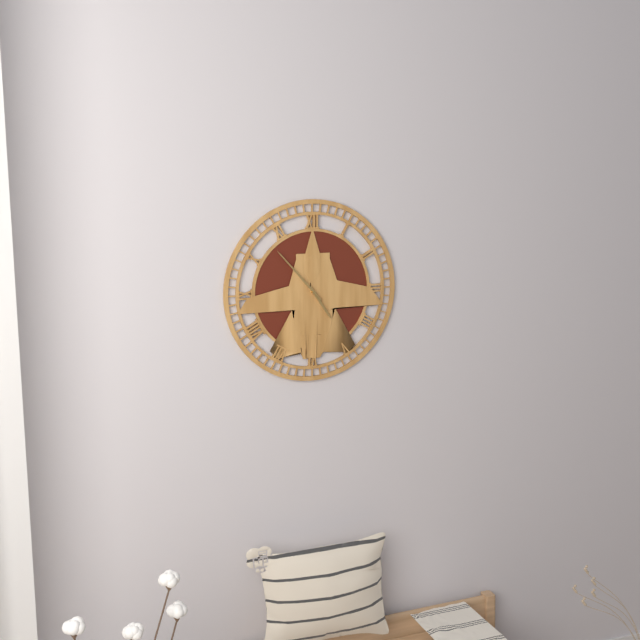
h=4 m=53
